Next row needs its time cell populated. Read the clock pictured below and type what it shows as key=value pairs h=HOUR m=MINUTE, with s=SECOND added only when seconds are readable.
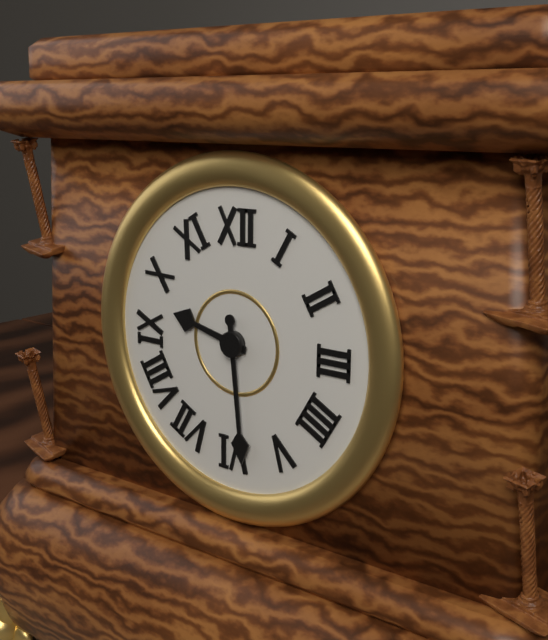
h=9 m=29
